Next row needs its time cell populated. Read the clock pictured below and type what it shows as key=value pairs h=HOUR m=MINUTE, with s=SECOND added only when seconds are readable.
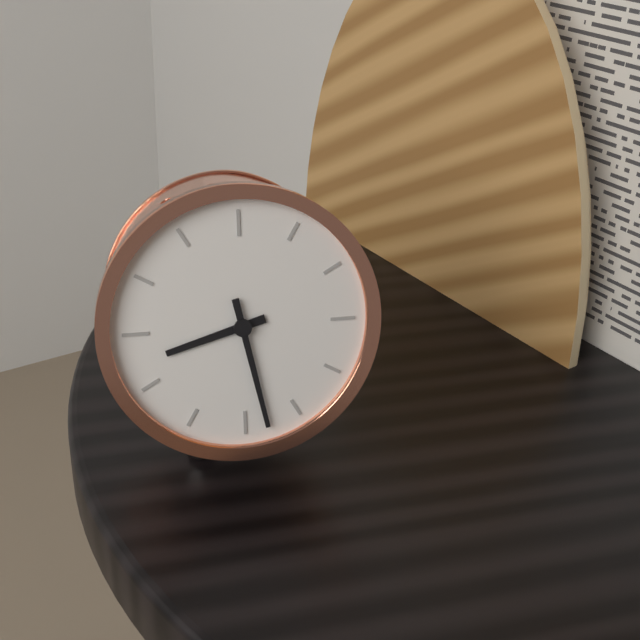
h=8 m=28
